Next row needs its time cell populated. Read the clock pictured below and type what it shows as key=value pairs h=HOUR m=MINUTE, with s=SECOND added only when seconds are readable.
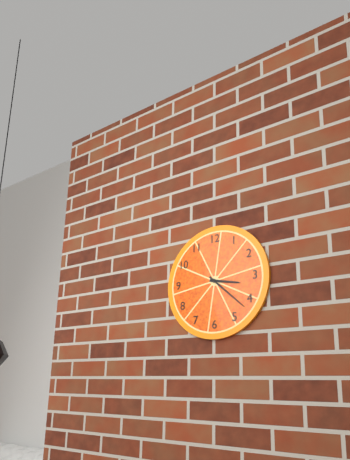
h=3 m=22
